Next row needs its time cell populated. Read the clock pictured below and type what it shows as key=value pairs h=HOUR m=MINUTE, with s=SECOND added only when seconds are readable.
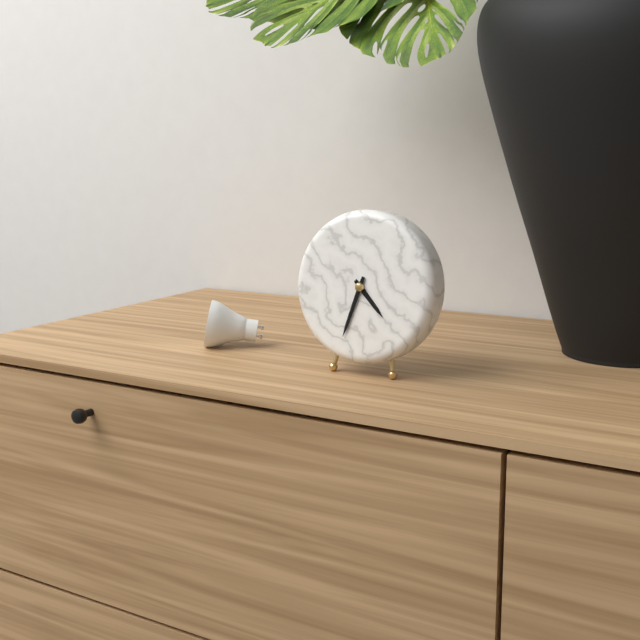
h=4 m=33
